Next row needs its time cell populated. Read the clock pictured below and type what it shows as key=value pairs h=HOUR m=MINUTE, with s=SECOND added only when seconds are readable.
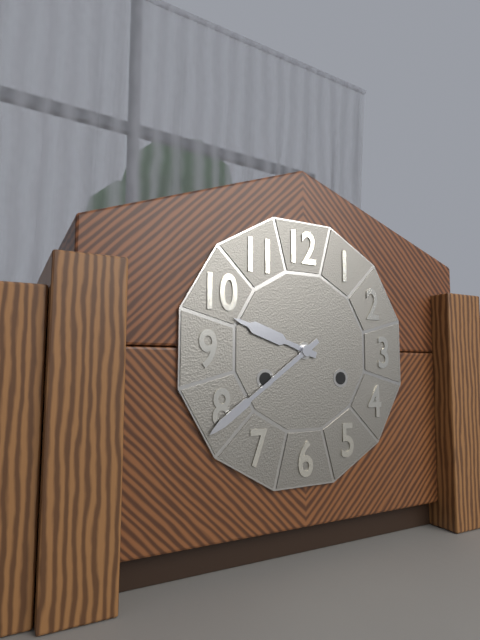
h=9 m=39
